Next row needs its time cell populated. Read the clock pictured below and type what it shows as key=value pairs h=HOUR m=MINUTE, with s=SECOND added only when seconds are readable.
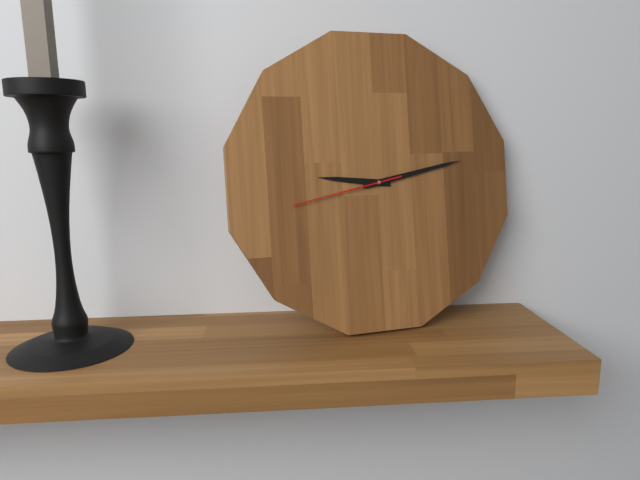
h=9 m=13 s=43
